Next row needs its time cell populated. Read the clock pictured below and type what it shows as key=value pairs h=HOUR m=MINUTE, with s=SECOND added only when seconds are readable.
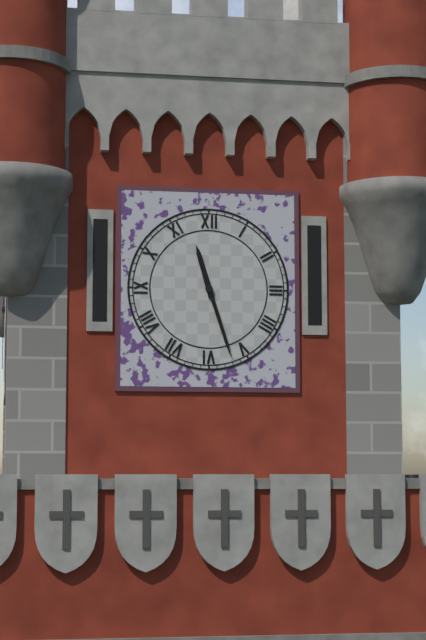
h=11 m=27
